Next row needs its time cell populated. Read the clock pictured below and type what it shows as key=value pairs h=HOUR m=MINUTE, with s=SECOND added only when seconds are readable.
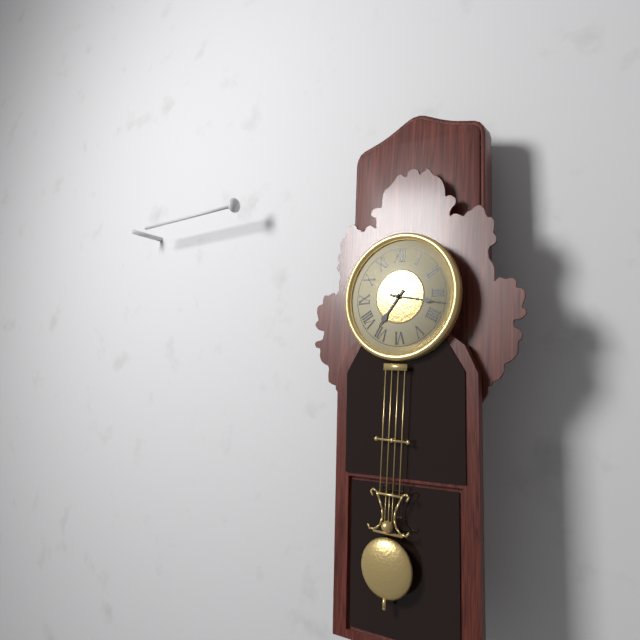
h=7 m=17
